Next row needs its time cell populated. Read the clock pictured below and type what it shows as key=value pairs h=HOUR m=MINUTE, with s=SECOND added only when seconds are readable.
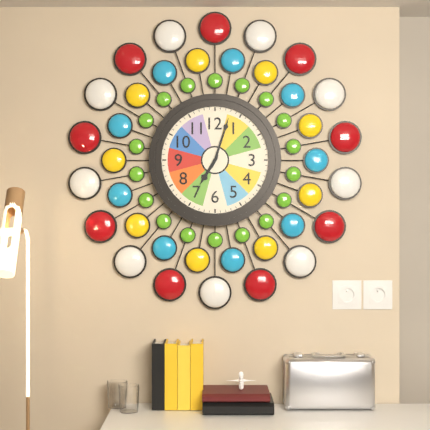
h=7 m=3
